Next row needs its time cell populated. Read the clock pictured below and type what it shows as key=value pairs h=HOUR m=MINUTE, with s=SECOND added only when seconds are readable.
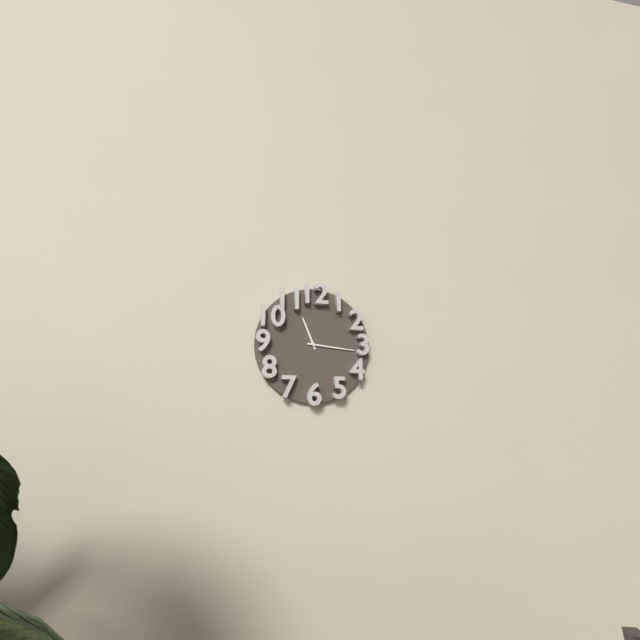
h=11 m=16
